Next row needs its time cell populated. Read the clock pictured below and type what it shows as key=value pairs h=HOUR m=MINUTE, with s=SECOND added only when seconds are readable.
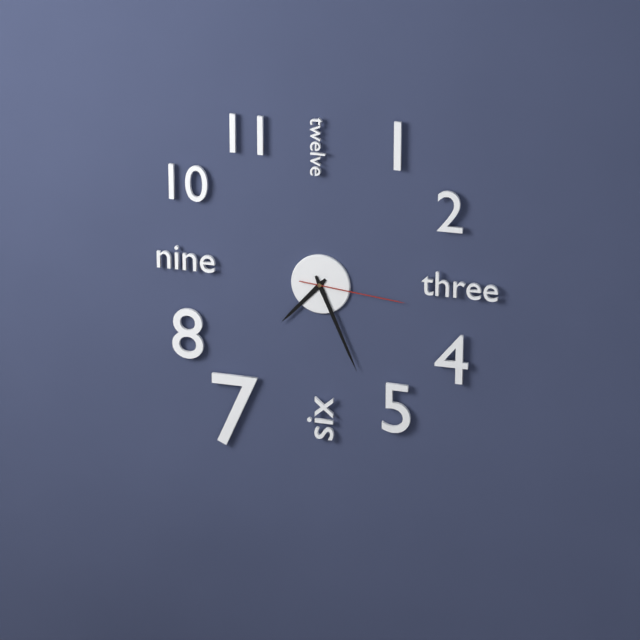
h=7 m=26 s=16
